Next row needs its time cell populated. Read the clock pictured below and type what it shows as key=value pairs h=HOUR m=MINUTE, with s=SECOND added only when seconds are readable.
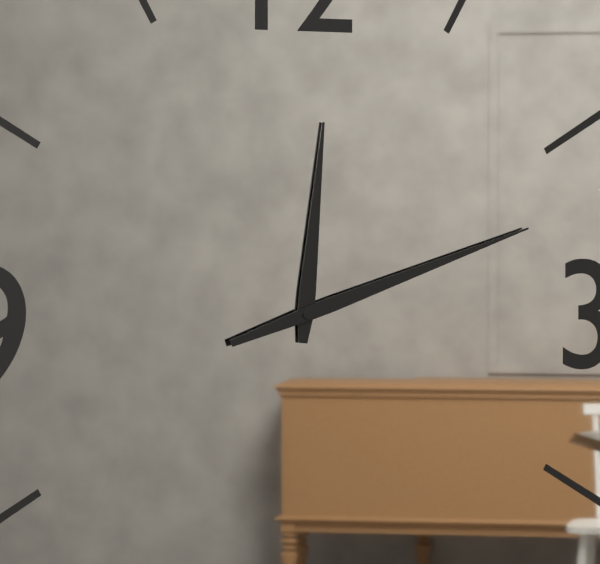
h=12 m=12
